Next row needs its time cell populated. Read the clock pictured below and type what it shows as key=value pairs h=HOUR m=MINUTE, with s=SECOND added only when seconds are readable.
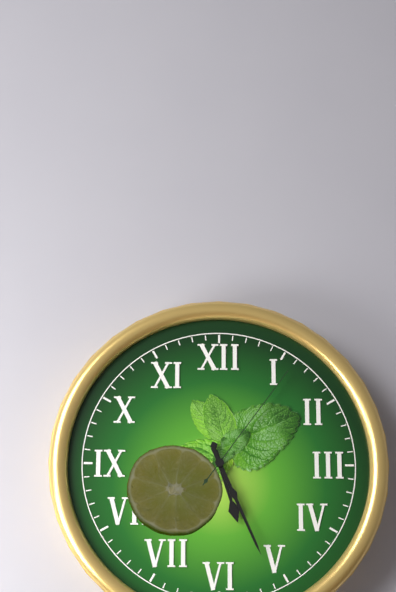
h=5 m=26 s=6
